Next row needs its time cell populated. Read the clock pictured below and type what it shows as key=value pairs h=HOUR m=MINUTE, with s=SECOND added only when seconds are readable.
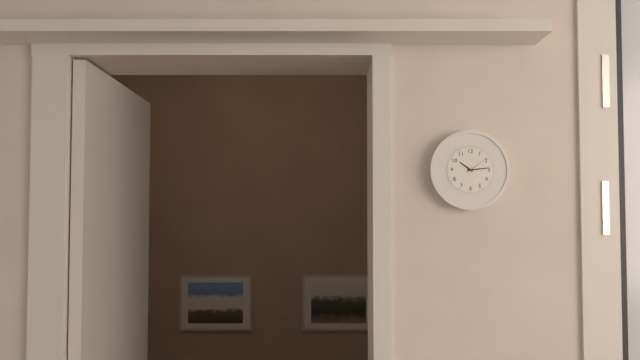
h=10 m=14
